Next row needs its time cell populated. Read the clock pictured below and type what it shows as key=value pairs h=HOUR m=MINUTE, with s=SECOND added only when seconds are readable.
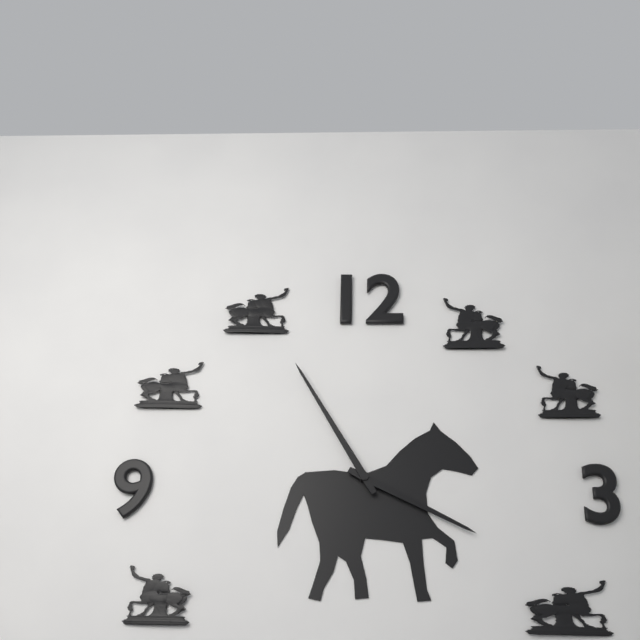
h=3 m=55
